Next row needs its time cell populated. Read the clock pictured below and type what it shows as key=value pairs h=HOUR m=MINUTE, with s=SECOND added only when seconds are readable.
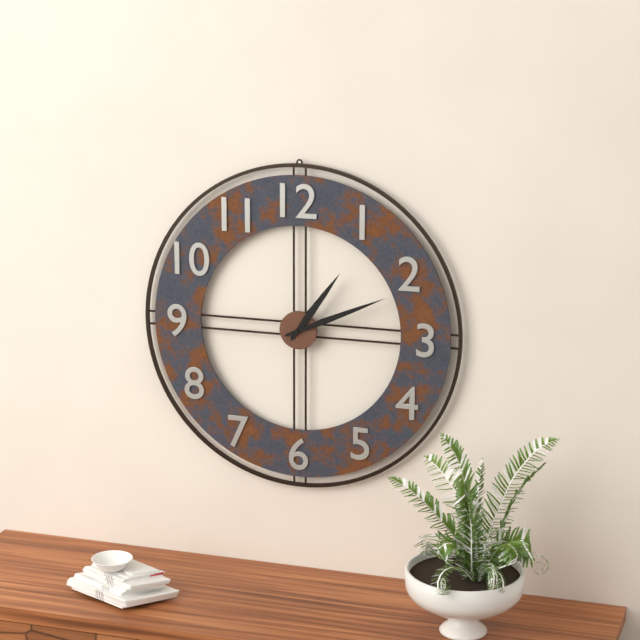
h=1 m=11
